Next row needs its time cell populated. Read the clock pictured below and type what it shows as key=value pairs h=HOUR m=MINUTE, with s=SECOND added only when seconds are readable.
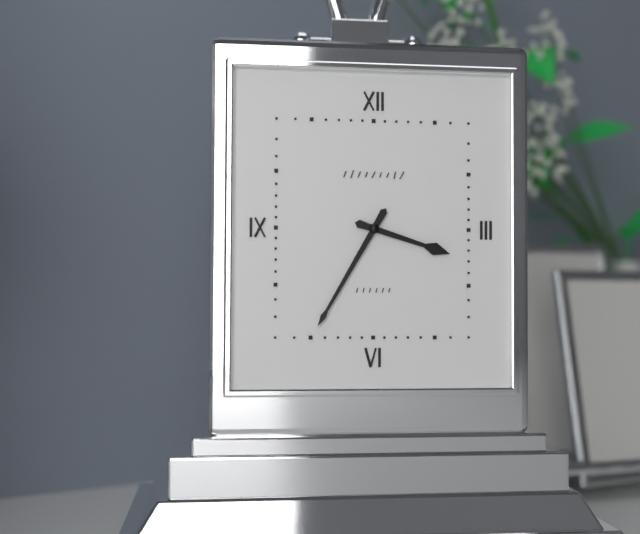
h=3 m=35
